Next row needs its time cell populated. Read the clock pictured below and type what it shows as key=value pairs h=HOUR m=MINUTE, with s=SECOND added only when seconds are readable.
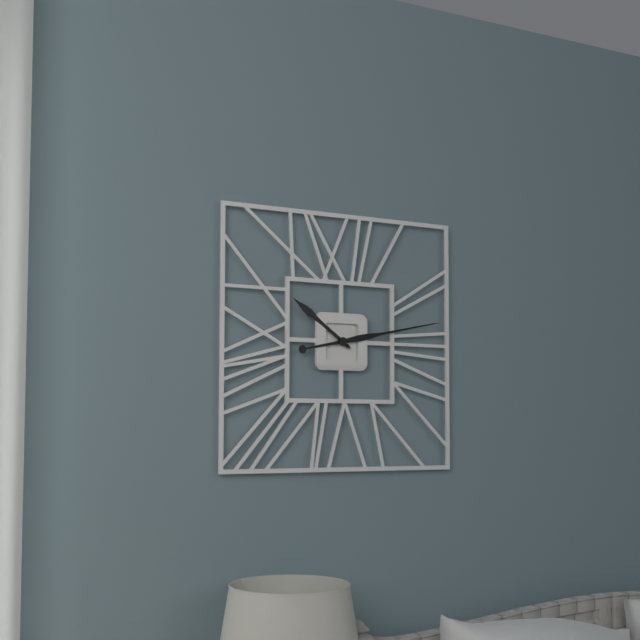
h=10 m=13
